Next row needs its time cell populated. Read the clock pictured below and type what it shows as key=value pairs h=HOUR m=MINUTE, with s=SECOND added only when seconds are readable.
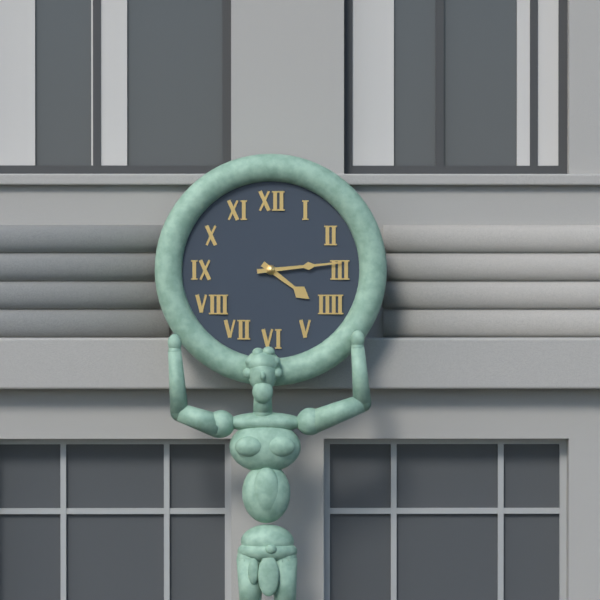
h=4 m=14
